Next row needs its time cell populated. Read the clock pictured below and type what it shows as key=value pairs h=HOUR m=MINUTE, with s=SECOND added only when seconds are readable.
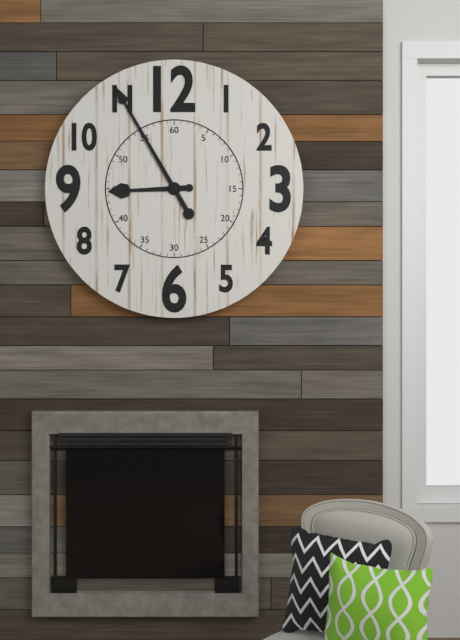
h=8 m=55
